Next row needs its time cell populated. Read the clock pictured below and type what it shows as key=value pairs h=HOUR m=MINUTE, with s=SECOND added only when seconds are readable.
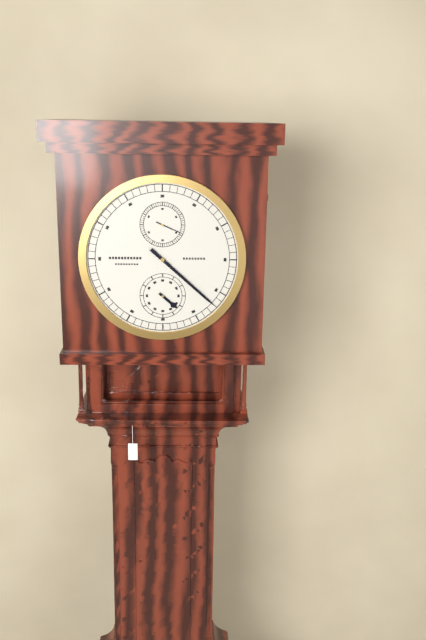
h=4 m=22
